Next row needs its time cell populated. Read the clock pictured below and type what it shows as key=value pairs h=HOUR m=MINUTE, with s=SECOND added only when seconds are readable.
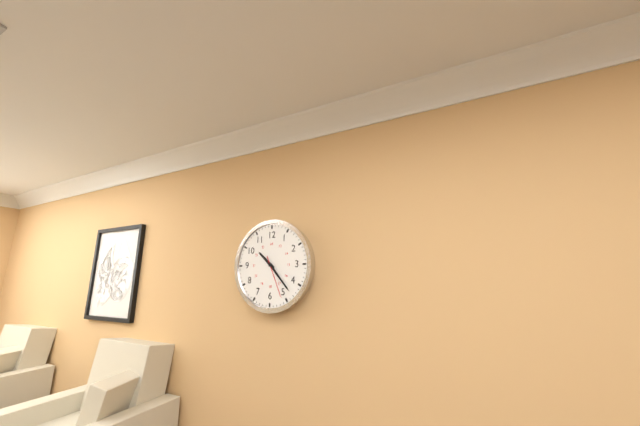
h=10 m=23
